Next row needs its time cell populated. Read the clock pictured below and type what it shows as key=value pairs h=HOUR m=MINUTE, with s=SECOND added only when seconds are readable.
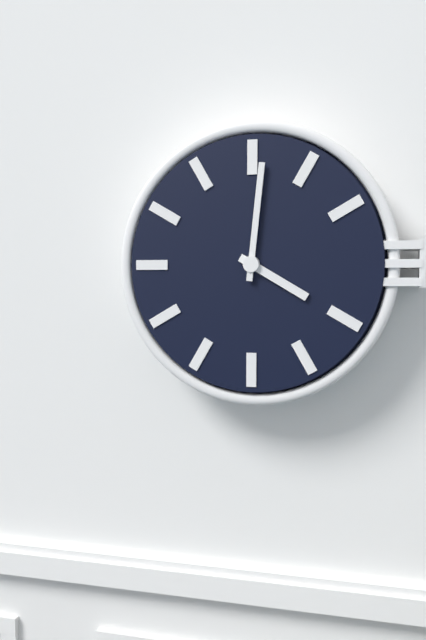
h=4 m=1
